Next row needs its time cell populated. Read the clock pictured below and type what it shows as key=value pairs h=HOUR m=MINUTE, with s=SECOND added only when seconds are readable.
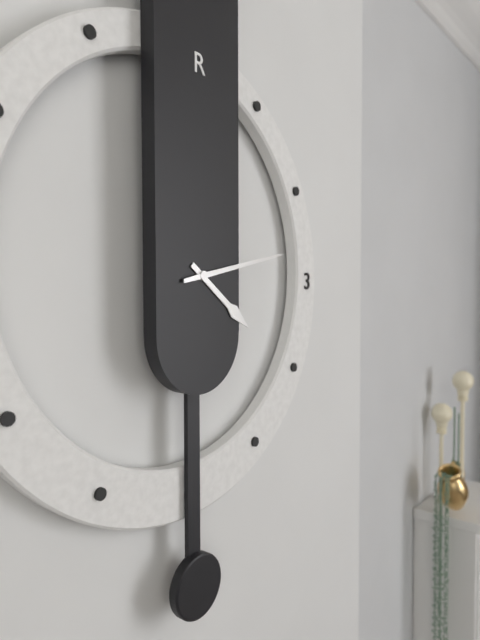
h=4 m=13
